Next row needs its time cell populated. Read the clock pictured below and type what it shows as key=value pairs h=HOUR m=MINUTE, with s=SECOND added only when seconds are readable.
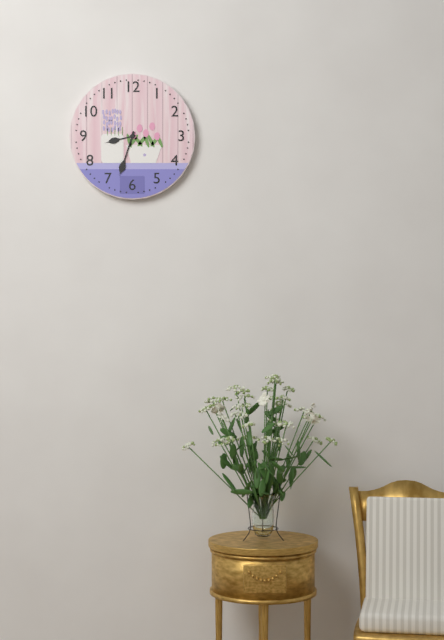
h=8 m=33
